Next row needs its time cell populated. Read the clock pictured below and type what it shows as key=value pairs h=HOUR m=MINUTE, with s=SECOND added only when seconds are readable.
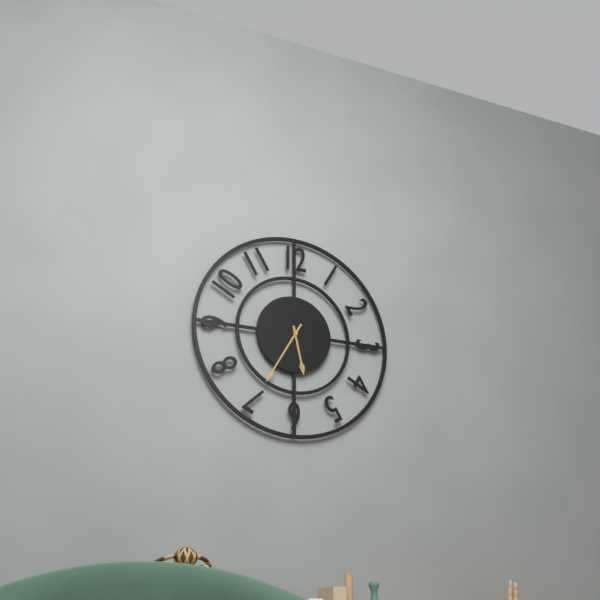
h=5 m=35
